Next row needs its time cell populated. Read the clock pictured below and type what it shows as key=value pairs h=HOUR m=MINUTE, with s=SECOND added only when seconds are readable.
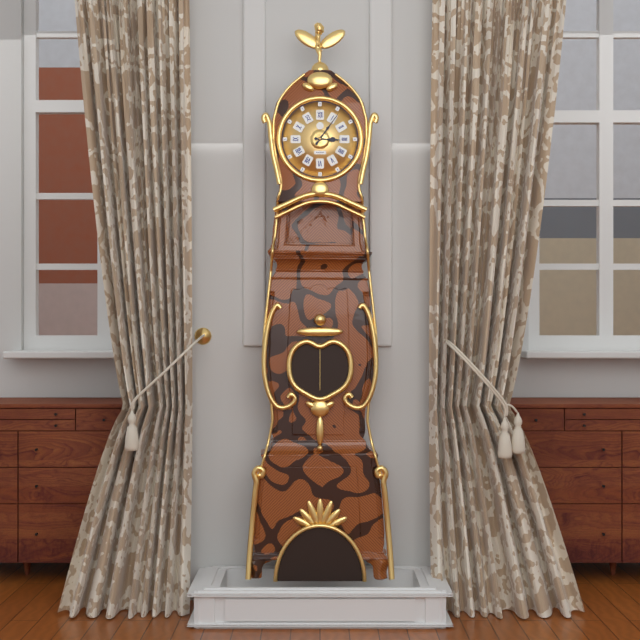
h=3 m=6
